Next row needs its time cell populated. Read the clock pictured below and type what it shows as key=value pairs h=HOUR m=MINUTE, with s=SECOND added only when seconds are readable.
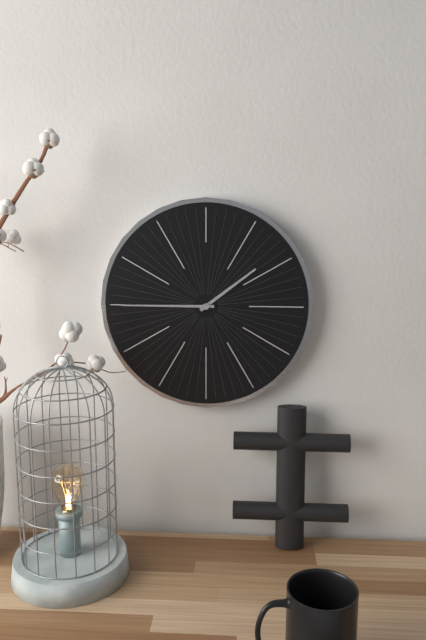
h=1 m=45
